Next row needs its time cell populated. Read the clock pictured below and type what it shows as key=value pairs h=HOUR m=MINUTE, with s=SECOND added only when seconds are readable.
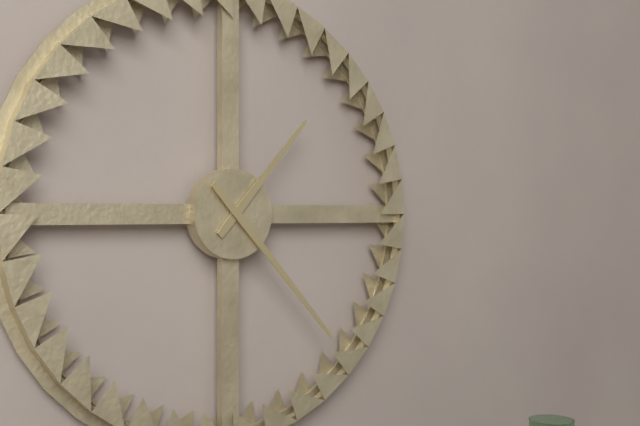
h=1 m=23
